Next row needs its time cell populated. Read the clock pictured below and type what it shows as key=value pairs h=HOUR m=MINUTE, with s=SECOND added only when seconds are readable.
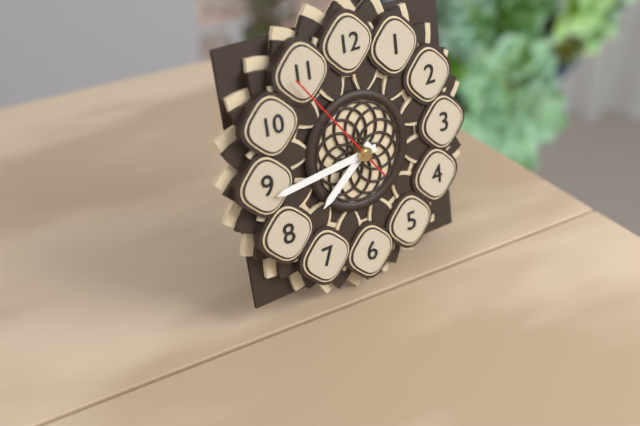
h=7 m=44 s=54
